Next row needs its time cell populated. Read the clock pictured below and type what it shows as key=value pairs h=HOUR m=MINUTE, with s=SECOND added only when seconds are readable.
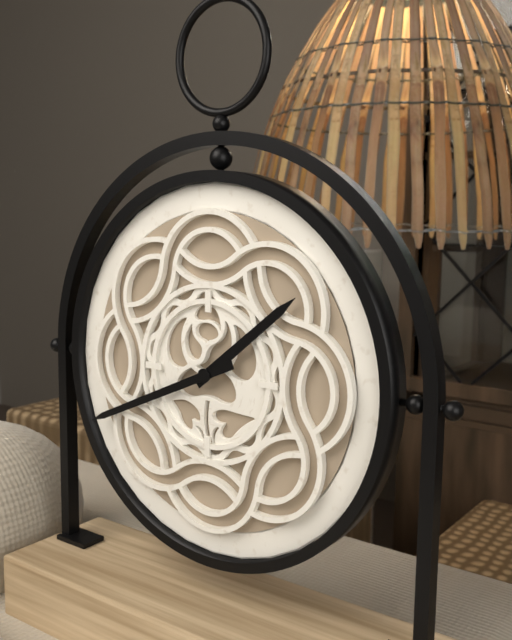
h=1 m=41
